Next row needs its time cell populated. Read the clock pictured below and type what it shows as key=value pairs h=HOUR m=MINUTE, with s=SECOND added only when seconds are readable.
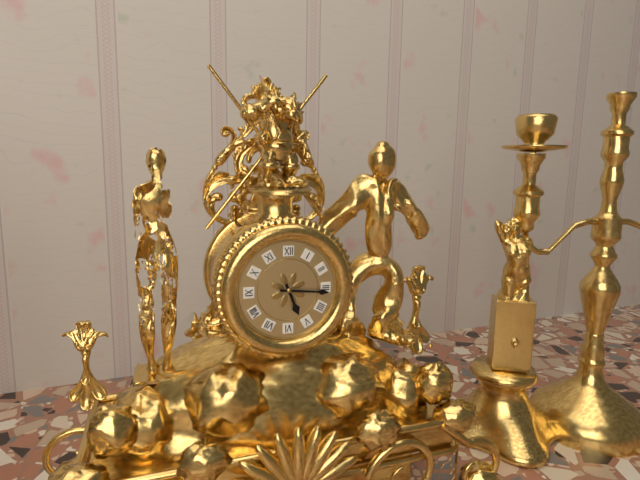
h=5 m=16
